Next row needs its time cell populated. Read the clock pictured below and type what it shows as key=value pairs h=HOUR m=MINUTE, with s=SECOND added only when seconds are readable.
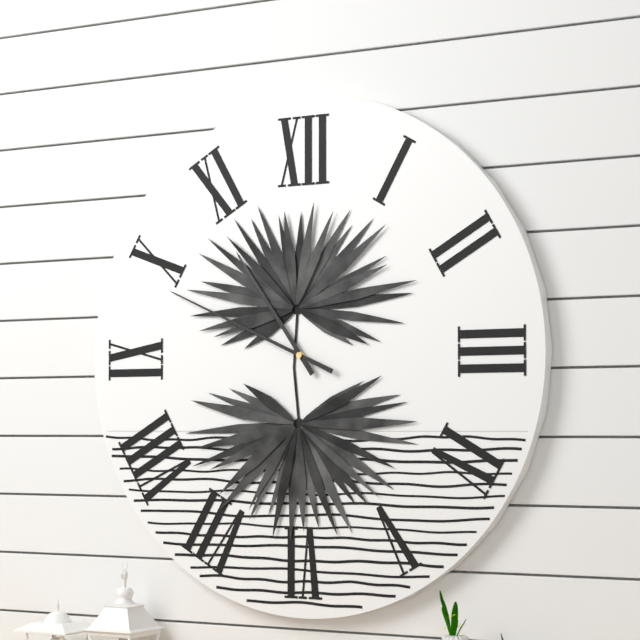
h=10 m=49
